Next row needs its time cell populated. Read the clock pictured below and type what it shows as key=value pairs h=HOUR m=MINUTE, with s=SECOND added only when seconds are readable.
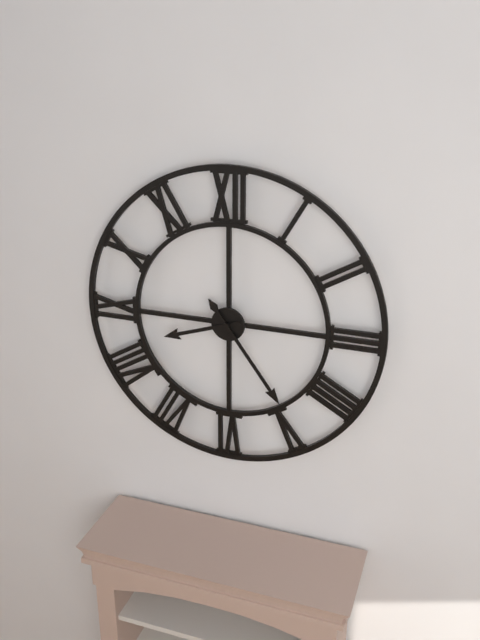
h=8 m=24
